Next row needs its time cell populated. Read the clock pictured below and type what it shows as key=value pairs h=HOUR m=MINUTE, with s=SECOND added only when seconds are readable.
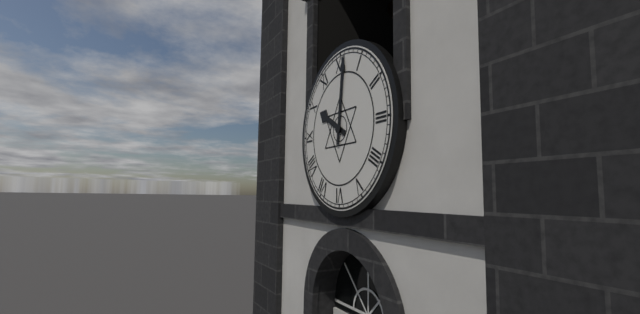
h=10 m=1
